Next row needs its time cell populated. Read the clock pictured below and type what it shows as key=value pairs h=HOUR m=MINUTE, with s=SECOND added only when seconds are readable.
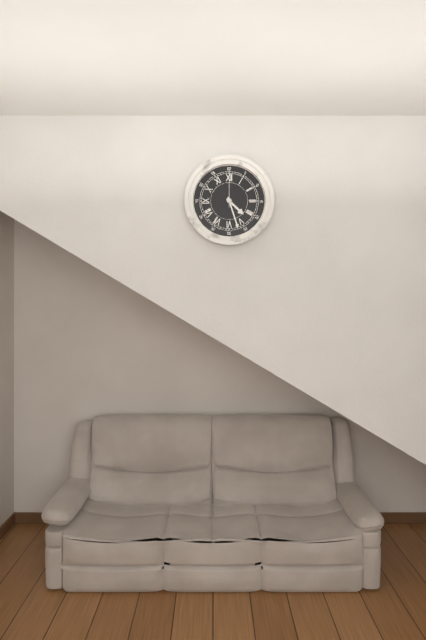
h=4 m=27
